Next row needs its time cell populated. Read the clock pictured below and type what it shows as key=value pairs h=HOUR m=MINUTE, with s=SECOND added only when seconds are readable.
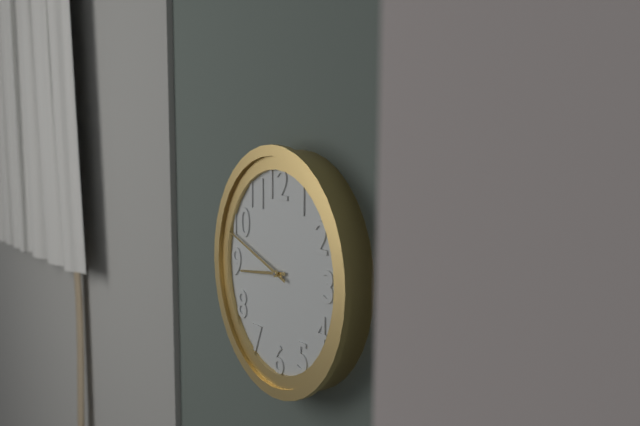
h=8 m=48
